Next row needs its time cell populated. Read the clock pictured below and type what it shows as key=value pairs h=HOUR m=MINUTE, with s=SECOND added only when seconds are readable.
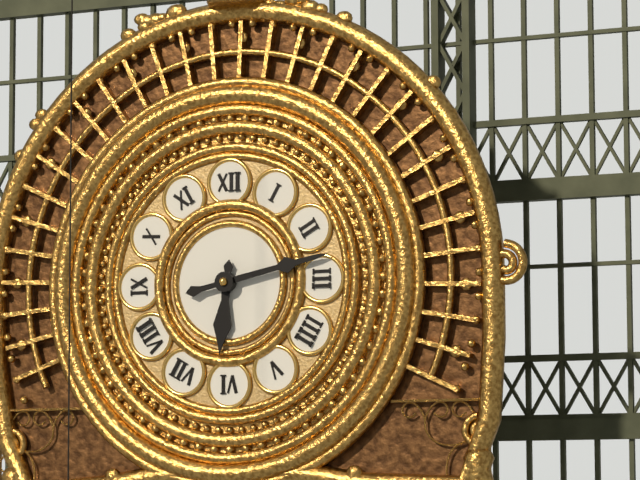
h=6 m=13
